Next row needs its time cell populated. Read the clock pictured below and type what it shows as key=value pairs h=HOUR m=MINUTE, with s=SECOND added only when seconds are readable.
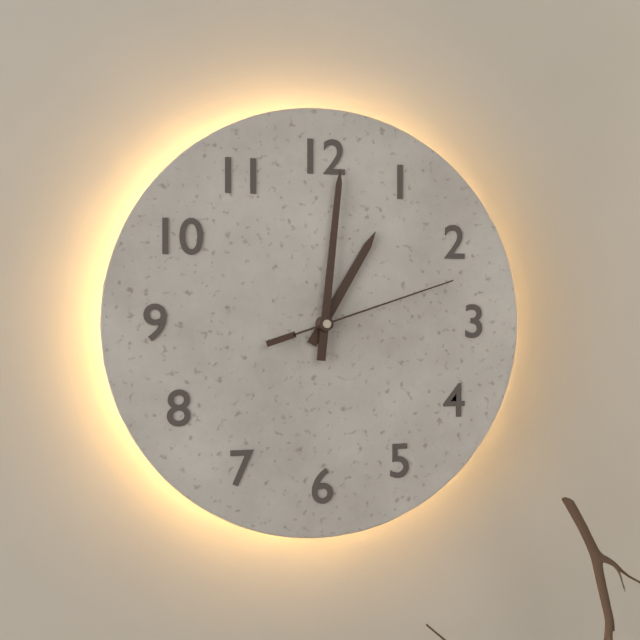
h=1 m=1 s=12
